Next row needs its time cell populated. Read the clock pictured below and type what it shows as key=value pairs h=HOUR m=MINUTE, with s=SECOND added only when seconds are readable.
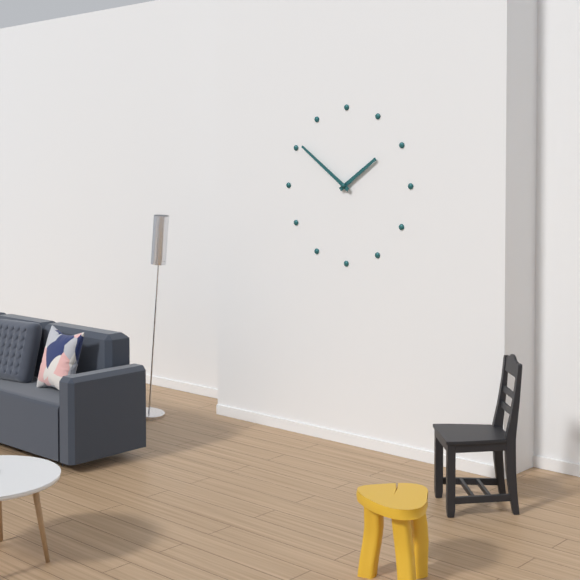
h=1 m=51
